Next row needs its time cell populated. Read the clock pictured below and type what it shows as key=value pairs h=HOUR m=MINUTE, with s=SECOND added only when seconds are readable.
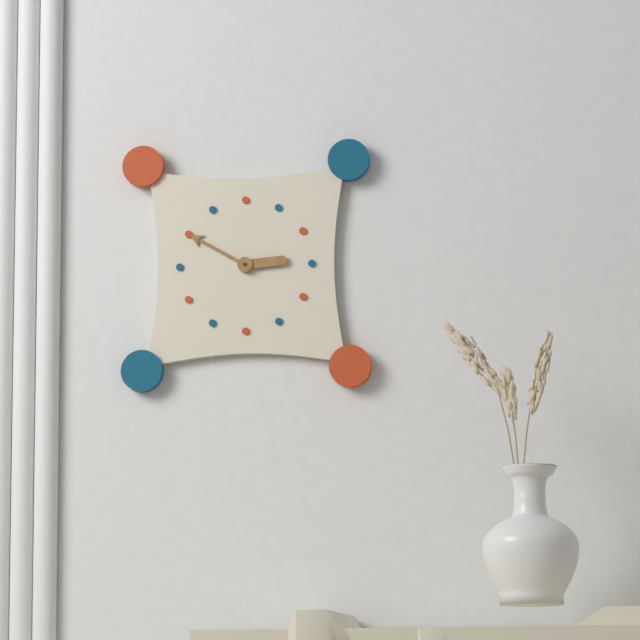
h=2 m=50
